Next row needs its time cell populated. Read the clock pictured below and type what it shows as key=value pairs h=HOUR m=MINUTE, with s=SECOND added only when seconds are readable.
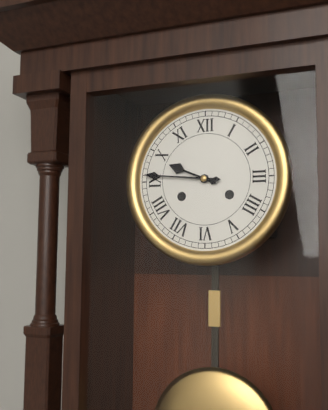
h=9 m=46
